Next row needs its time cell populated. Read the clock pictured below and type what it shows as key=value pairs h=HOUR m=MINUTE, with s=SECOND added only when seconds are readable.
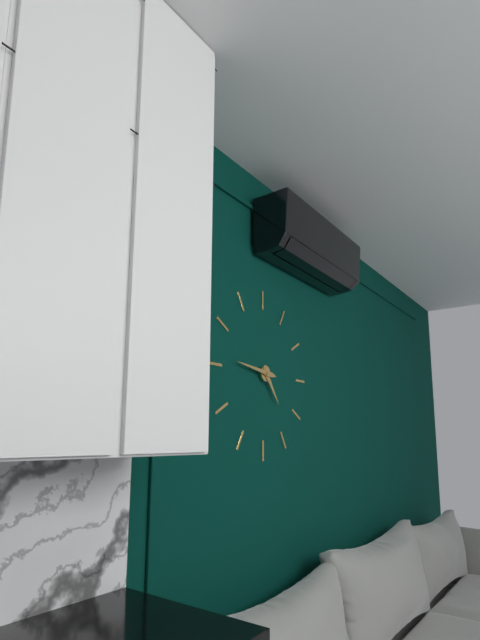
h=4 m=46
